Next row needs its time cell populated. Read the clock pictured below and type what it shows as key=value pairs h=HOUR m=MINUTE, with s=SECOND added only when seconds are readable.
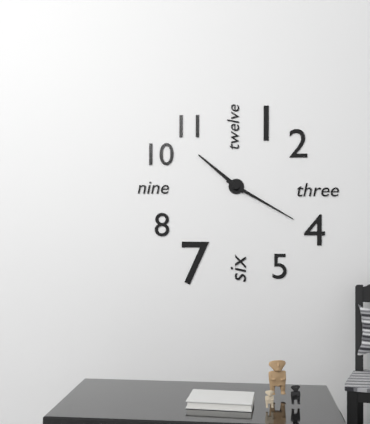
h=10 m=20
